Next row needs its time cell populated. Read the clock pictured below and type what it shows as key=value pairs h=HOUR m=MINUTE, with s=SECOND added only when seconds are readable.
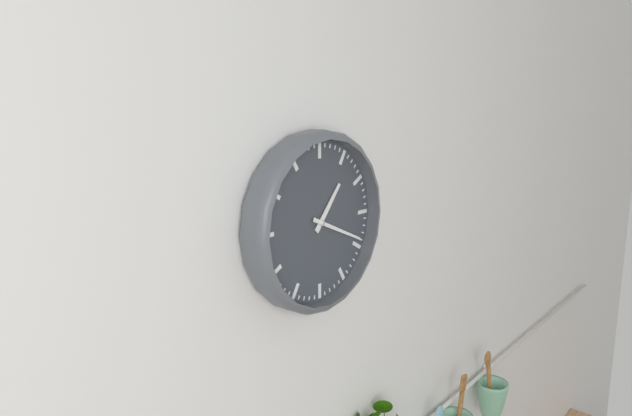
h=1 m=19
